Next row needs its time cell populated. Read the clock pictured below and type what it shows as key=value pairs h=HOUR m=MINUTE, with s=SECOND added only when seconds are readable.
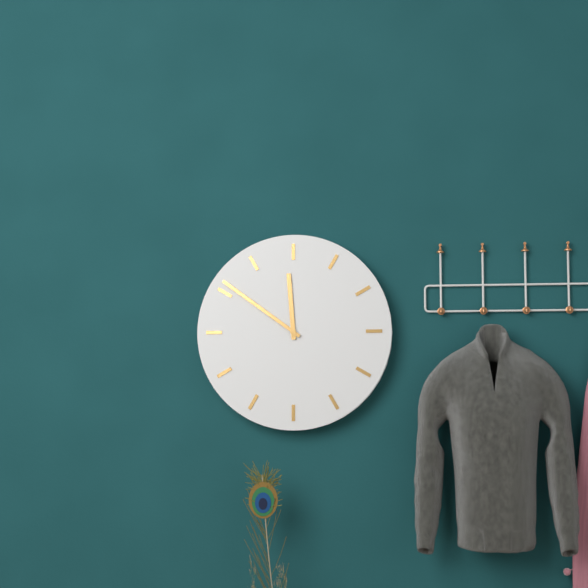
h=11 m=51
